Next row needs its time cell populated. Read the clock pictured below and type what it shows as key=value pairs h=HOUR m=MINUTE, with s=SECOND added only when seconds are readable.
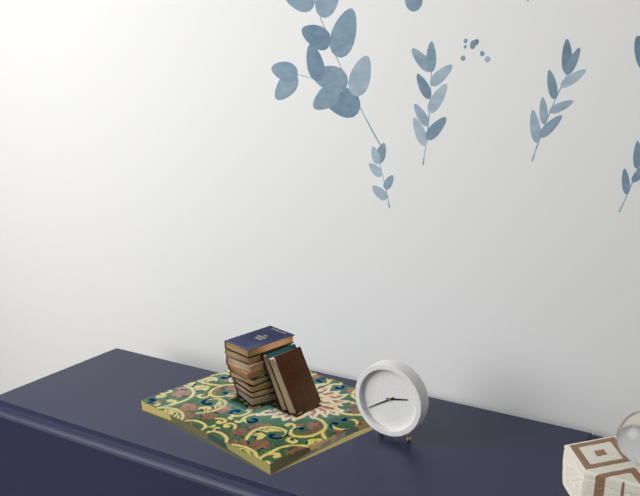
h=2 m=40
